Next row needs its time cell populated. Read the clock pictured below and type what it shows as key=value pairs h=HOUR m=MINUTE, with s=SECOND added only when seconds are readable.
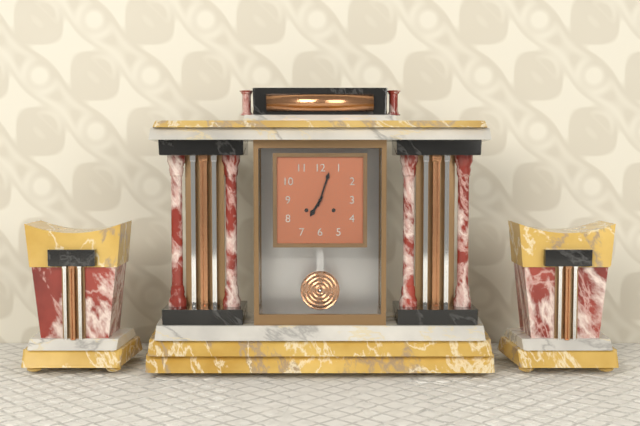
h=7 m=3
